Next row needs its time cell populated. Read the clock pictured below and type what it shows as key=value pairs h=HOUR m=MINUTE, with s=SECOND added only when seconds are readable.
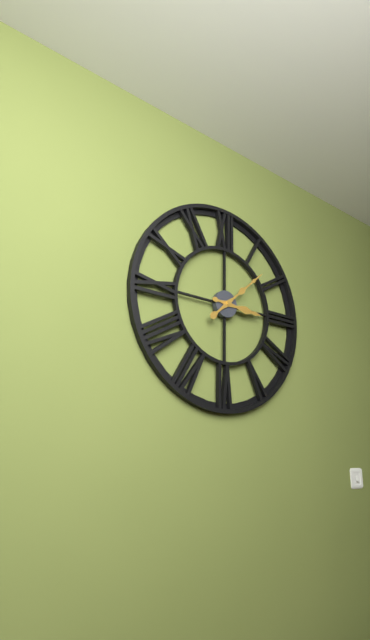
h=3 m=8
